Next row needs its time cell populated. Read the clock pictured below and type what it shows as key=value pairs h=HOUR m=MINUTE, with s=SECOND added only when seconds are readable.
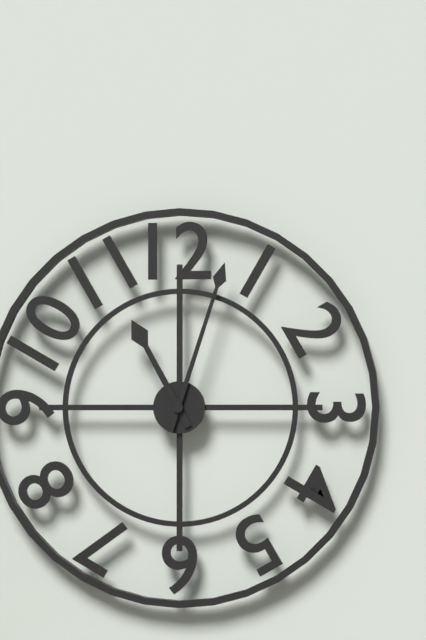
h=11 m=3
